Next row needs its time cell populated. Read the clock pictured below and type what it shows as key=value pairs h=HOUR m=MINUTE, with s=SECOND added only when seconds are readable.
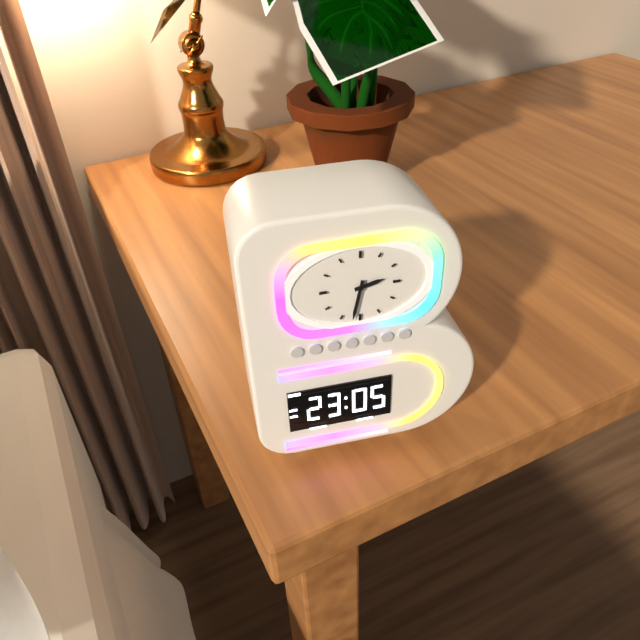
h=2 m=32
